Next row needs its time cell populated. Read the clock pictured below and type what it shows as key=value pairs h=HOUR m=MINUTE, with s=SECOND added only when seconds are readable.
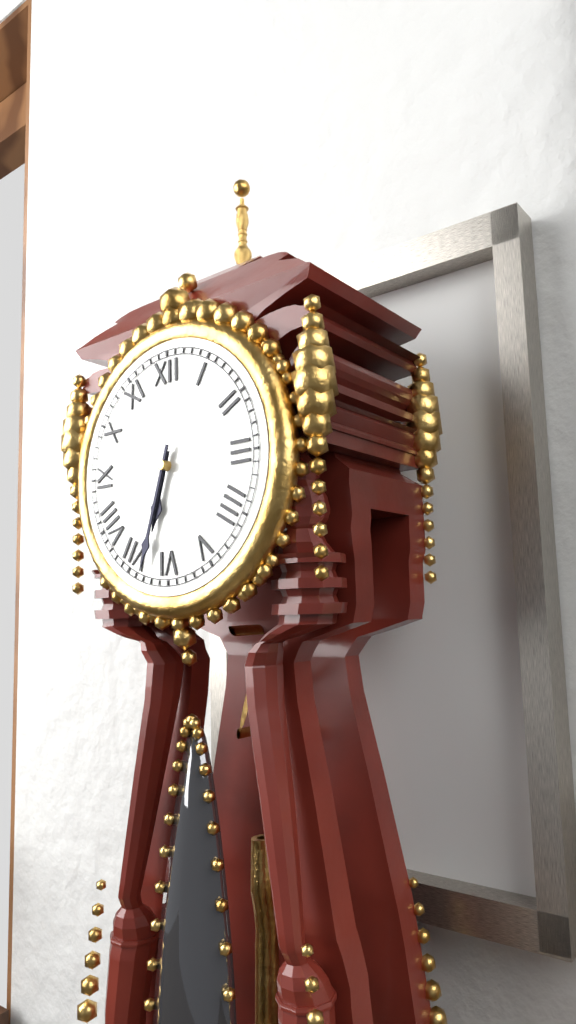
h=6 m=33
